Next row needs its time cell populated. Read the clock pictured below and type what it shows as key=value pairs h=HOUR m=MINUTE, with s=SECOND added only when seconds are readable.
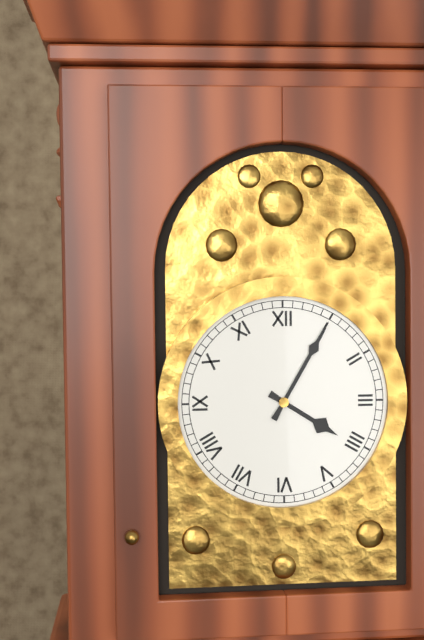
h=4 m=5
